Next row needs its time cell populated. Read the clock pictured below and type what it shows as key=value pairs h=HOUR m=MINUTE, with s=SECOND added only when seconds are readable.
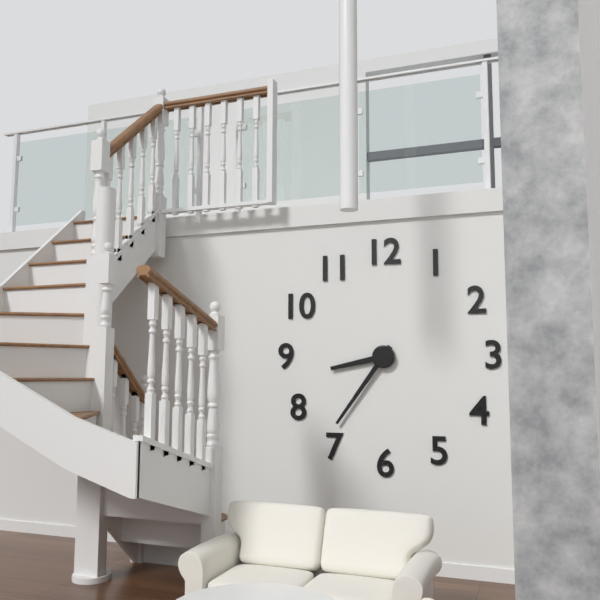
h=8 m=36
